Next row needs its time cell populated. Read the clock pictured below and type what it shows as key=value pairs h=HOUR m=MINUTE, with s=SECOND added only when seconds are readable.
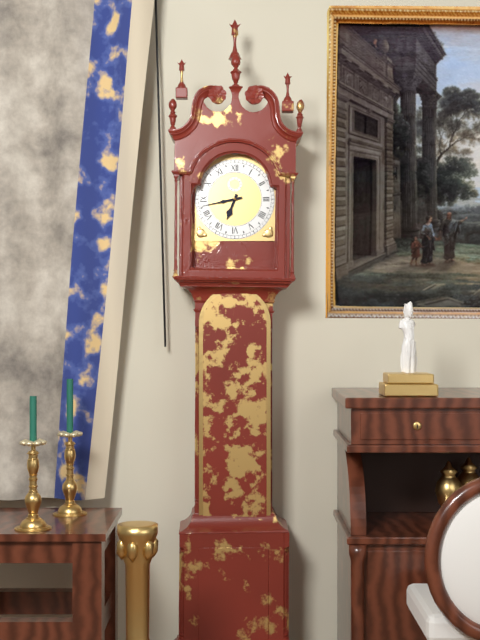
h=6 m=43
